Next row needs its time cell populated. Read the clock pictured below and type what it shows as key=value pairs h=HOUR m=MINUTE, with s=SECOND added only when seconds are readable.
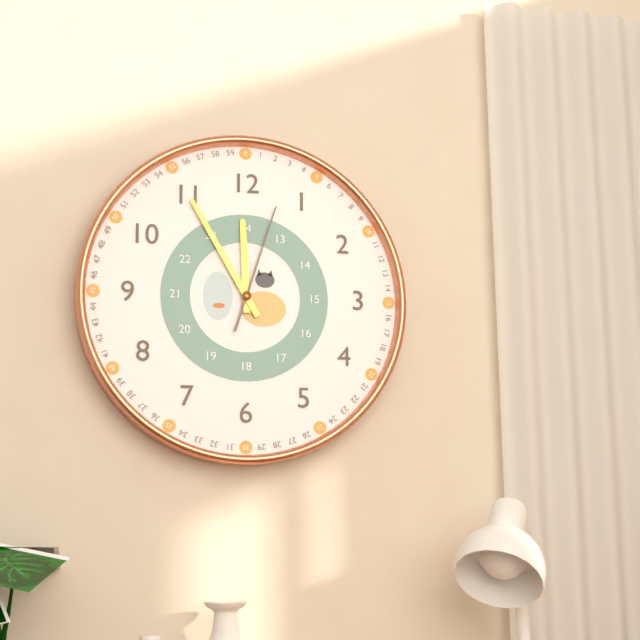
h=11 m=55 s=3
